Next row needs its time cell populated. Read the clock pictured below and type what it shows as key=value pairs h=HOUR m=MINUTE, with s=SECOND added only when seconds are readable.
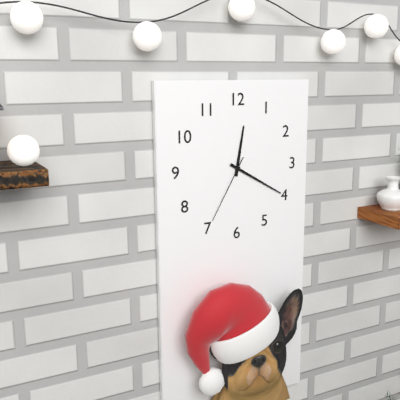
h=12 m=20 s=35
